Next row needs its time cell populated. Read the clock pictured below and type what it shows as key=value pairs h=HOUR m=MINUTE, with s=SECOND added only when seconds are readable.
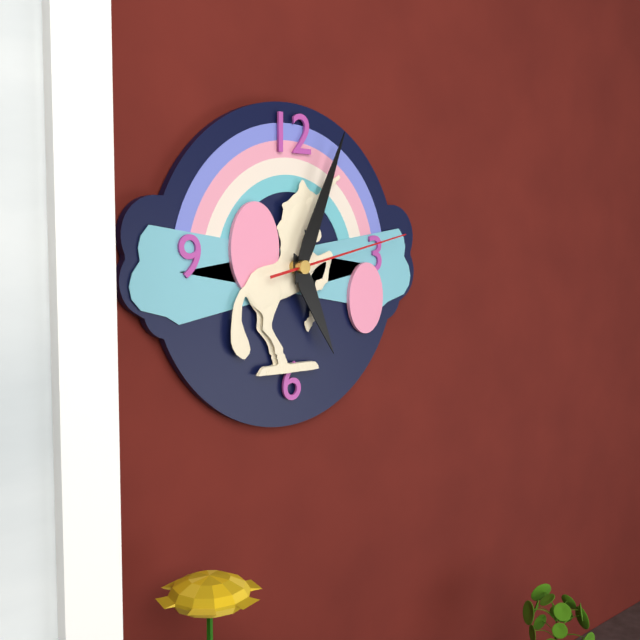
h=5 m=4 s=13
